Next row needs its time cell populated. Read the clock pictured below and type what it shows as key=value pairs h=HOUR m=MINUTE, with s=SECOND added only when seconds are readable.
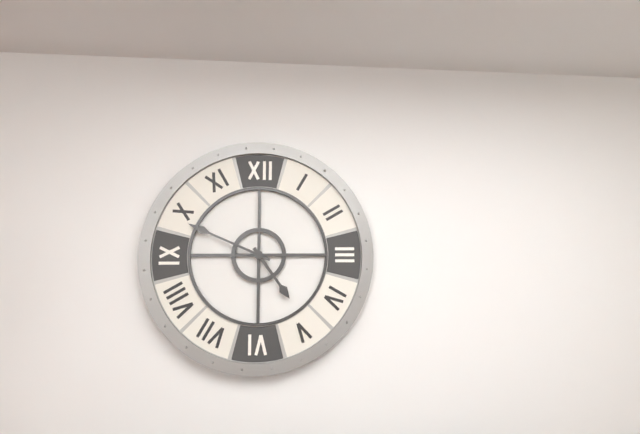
h=4 m=49
